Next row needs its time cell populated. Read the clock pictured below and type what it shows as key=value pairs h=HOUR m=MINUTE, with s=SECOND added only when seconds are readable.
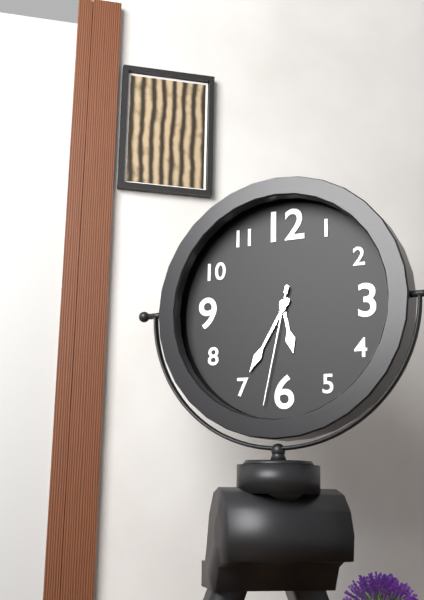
h=5 m=35 s=32
